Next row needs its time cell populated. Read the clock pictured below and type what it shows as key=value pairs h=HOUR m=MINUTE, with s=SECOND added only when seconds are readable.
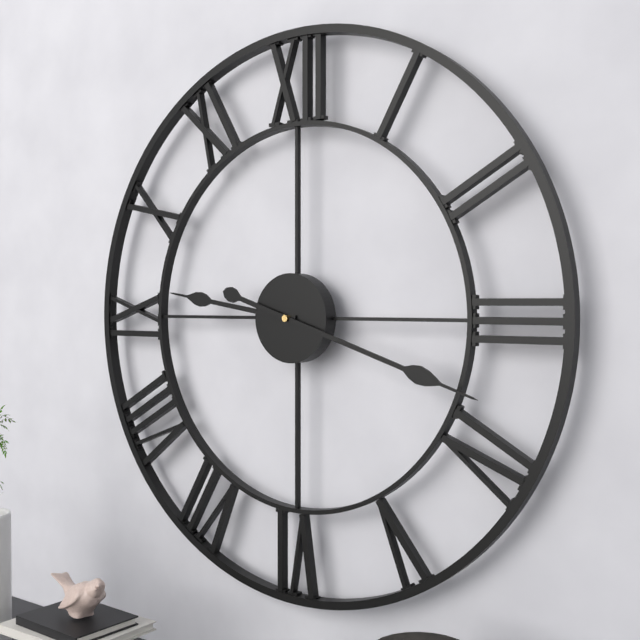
h=9 m=18
